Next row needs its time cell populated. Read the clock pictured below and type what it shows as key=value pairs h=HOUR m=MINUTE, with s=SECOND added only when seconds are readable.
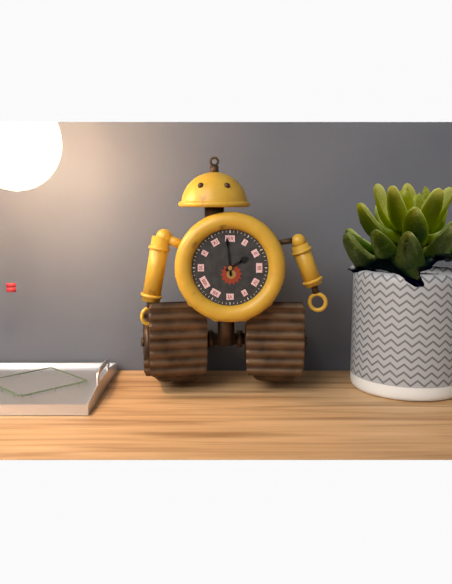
h=1 m=59
